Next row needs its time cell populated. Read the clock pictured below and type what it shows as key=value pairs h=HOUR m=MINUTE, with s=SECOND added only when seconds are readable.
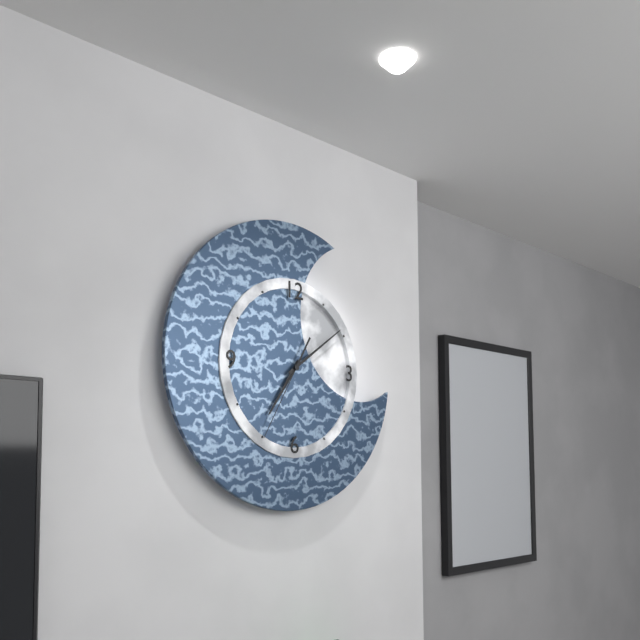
h=7 m=9 s=35
